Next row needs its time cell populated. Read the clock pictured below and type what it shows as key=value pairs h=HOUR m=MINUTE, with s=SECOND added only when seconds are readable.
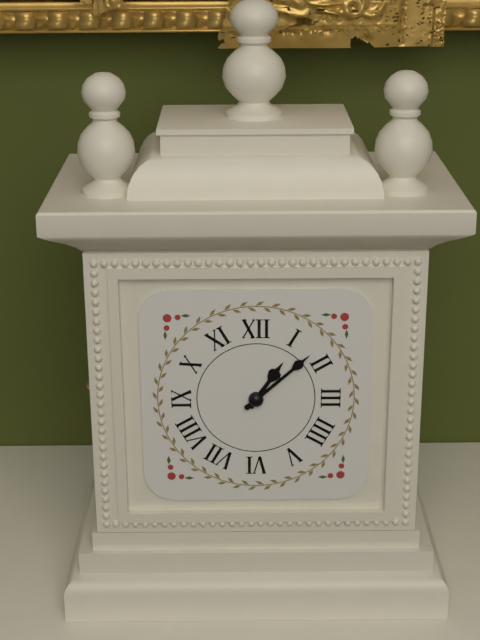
h=1 m=8
